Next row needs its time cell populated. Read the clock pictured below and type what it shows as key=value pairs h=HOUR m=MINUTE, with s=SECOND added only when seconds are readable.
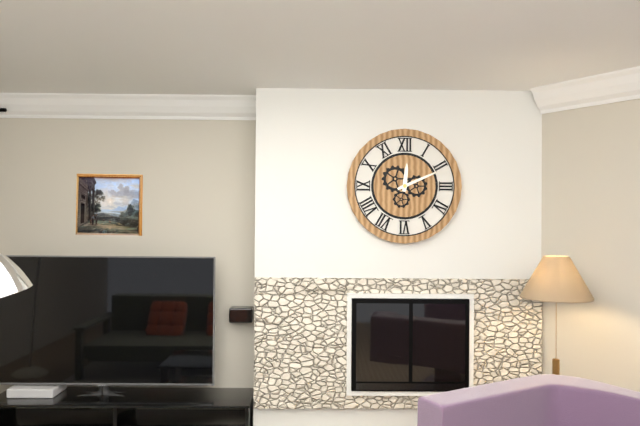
h=12 m=11
